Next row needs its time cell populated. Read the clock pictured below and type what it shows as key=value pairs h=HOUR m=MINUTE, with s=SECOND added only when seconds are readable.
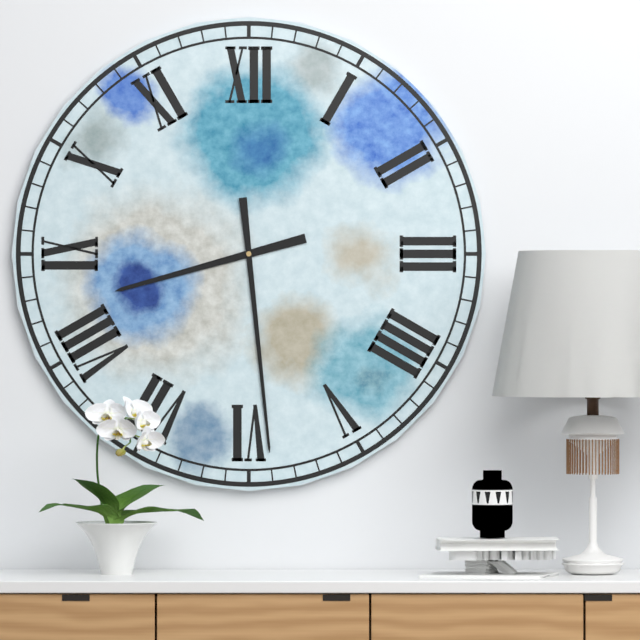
h=8 m=29
